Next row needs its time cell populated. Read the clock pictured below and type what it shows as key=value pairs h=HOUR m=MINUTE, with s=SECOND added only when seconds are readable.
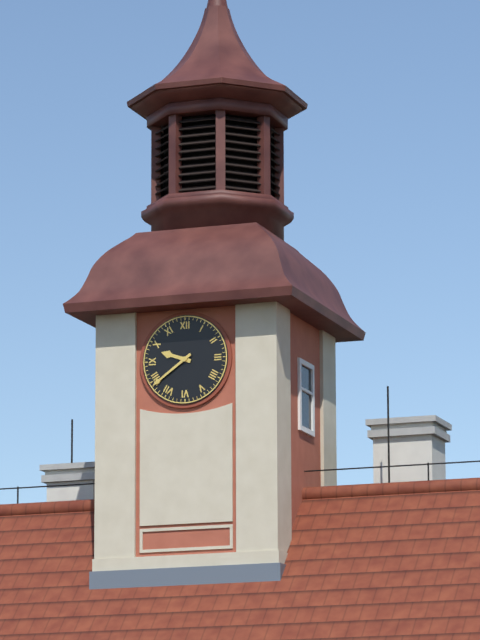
h=9 m=39
